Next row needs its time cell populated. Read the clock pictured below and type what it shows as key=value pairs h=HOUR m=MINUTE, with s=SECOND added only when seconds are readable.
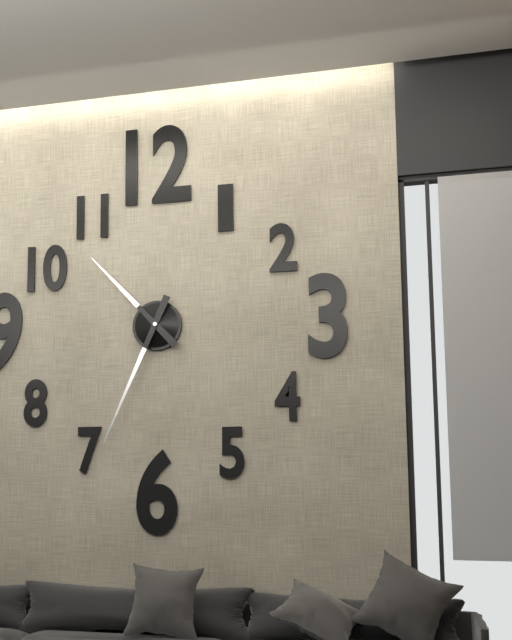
h=10 m=34
